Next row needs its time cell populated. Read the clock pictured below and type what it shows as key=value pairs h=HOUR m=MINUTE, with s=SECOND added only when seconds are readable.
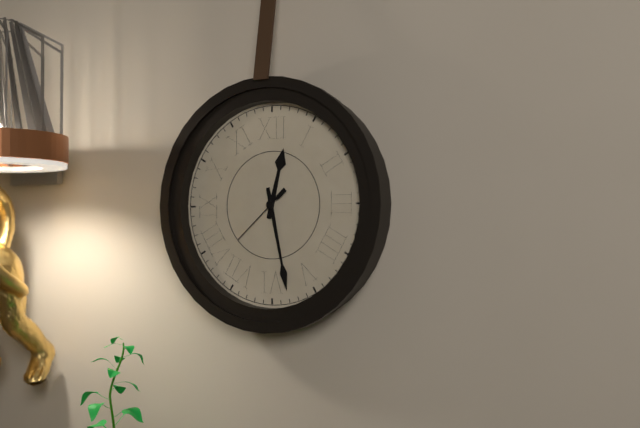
h=12 m=28 s=38
